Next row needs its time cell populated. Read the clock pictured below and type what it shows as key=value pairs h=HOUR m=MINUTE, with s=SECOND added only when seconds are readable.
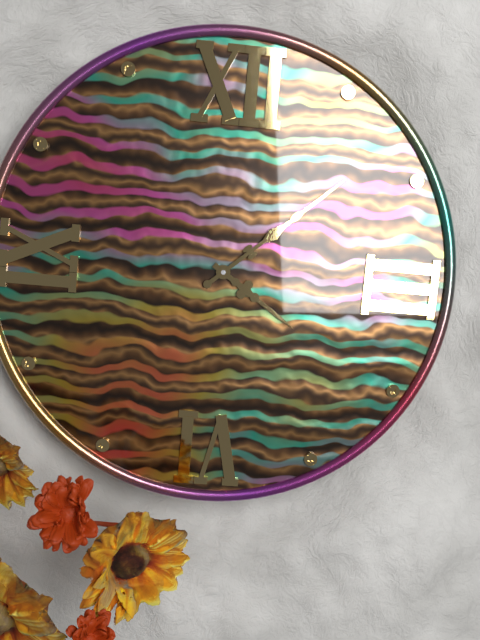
h=4 m=8
